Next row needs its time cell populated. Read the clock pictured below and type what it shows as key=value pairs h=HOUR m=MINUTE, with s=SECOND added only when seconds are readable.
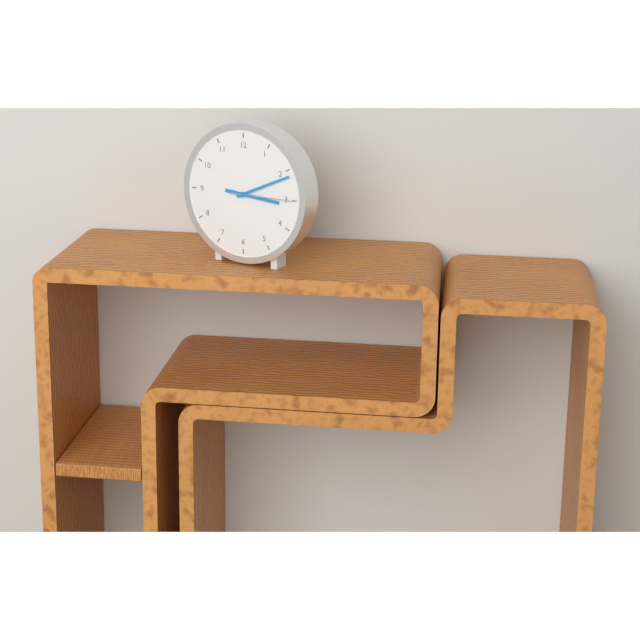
h=3 m=11 s=15
